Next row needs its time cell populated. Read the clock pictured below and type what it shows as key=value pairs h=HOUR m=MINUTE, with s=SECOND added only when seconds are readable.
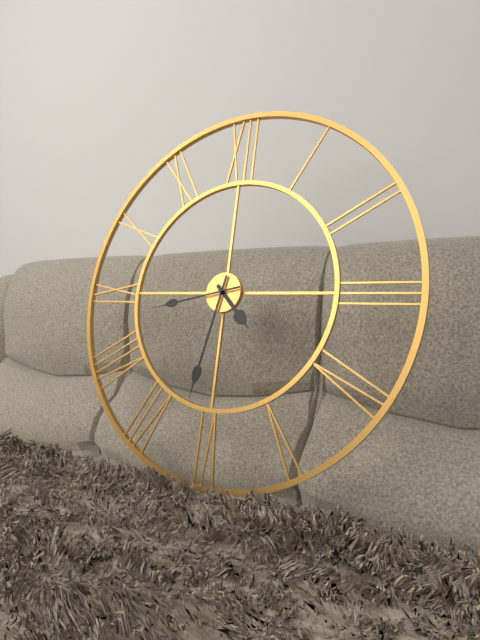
h=4 m=32 s=43
